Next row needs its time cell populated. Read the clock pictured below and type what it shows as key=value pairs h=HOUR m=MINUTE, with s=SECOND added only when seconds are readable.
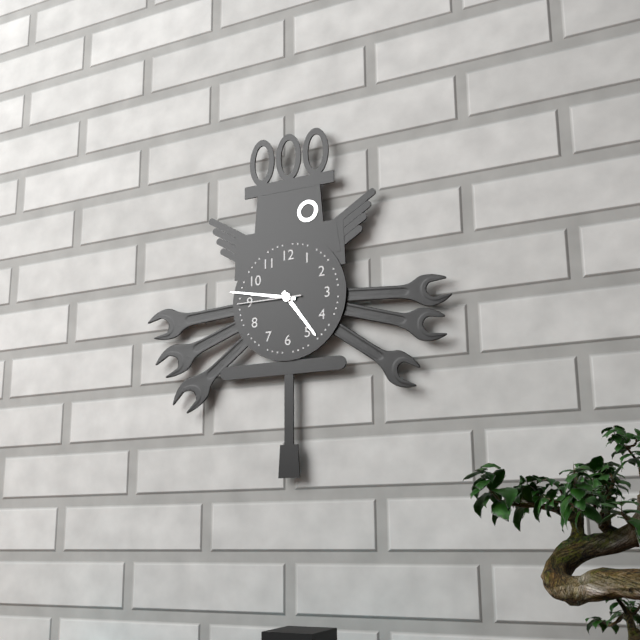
h=4 m=47 s=45
